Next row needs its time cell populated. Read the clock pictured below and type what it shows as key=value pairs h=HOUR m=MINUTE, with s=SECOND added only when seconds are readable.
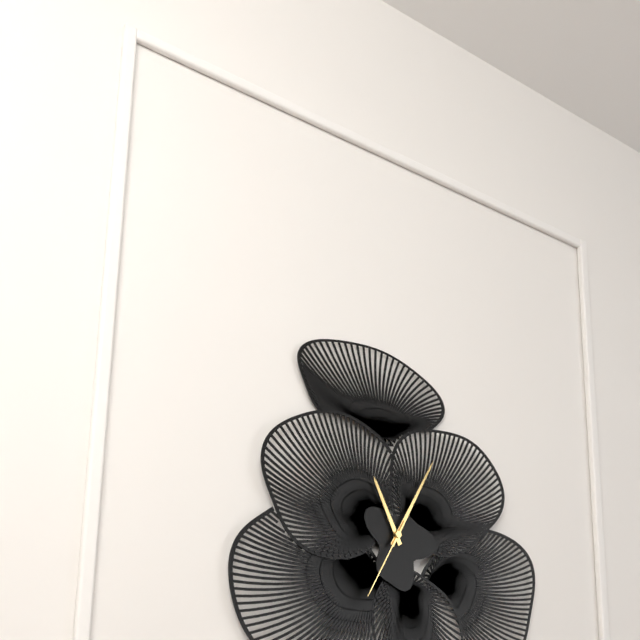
h=11 m=5 s=35
